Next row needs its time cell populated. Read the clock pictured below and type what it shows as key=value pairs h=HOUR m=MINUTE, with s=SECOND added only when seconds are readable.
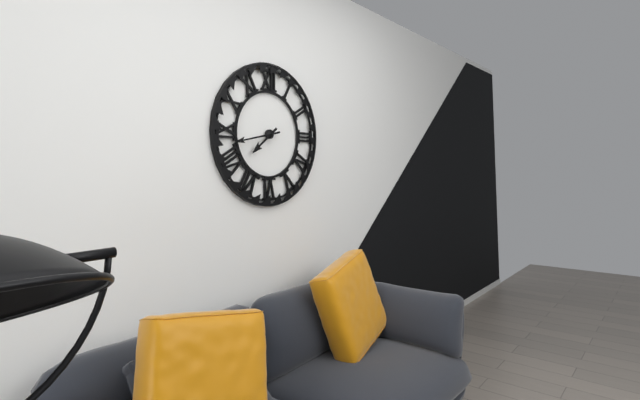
h=7 m=43
